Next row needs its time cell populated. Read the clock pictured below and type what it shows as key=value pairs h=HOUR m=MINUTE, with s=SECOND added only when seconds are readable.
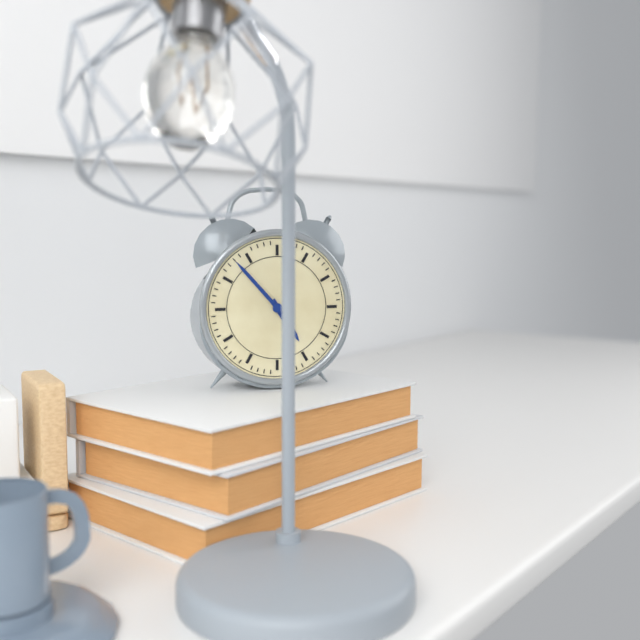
h=4 m=53
